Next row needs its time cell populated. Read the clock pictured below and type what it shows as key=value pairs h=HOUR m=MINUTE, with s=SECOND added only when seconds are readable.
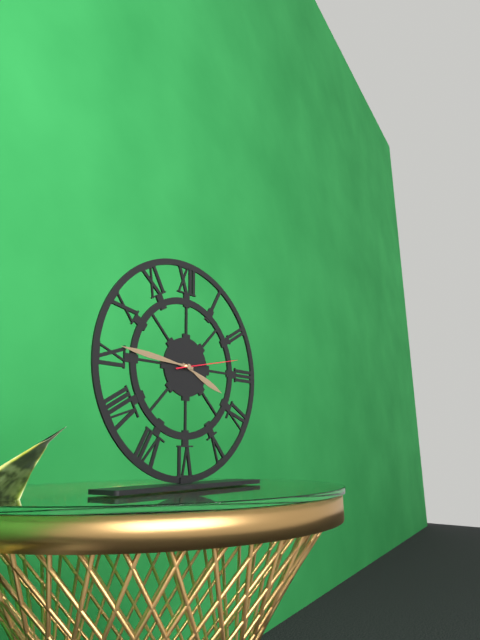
h=3 m=46 s=13
